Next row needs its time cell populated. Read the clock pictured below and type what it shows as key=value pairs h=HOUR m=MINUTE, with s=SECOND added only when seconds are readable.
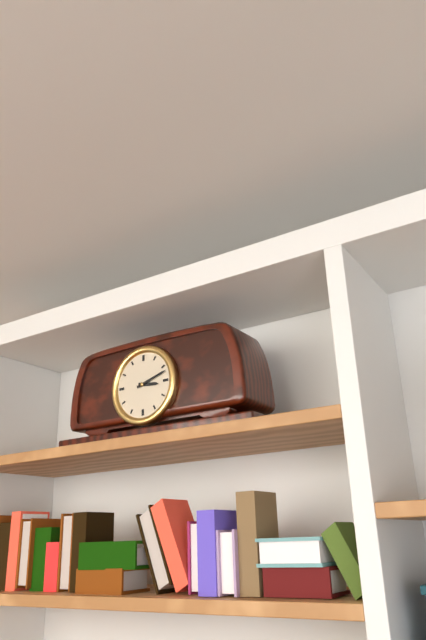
h=3 m=12
